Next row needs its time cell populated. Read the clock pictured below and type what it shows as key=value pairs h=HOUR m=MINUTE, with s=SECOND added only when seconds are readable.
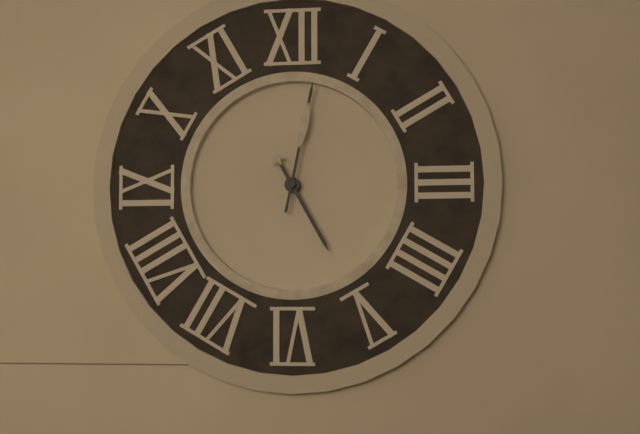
h=5 m=2
